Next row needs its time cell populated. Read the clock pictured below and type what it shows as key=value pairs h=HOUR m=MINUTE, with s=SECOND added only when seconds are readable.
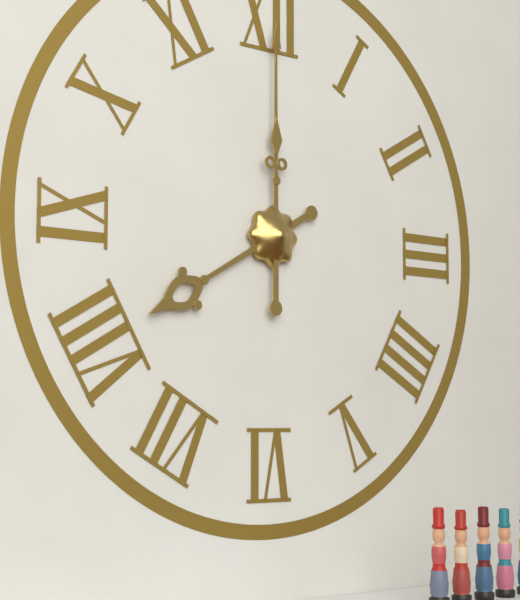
h=8 m=0
